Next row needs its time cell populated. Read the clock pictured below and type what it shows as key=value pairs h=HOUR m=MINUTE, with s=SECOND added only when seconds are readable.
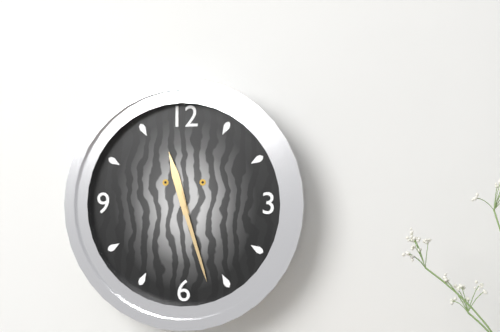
h=11 m=27
